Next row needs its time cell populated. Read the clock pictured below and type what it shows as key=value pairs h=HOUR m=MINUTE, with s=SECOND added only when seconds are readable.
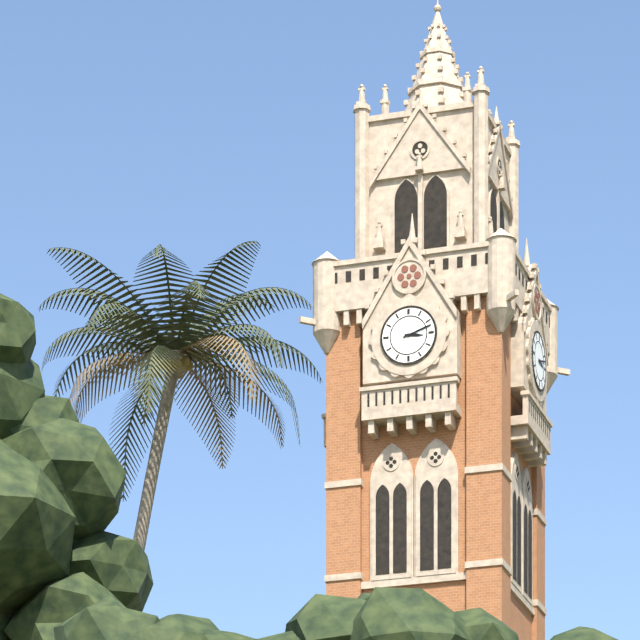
h=3 m=12
